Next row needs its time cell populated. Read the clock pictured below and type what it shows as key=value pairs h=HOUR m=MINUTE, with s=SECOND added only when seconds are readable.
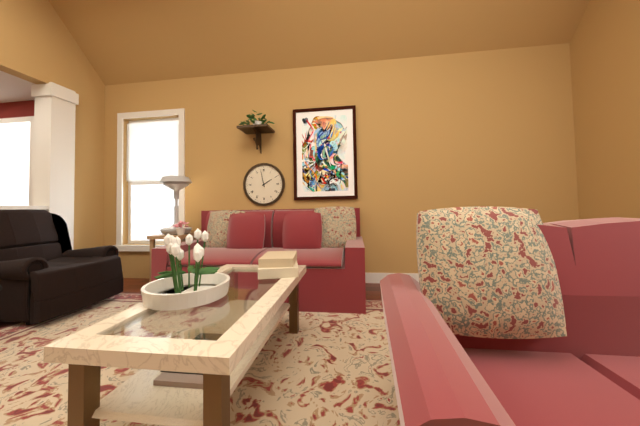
h=1 m=58
